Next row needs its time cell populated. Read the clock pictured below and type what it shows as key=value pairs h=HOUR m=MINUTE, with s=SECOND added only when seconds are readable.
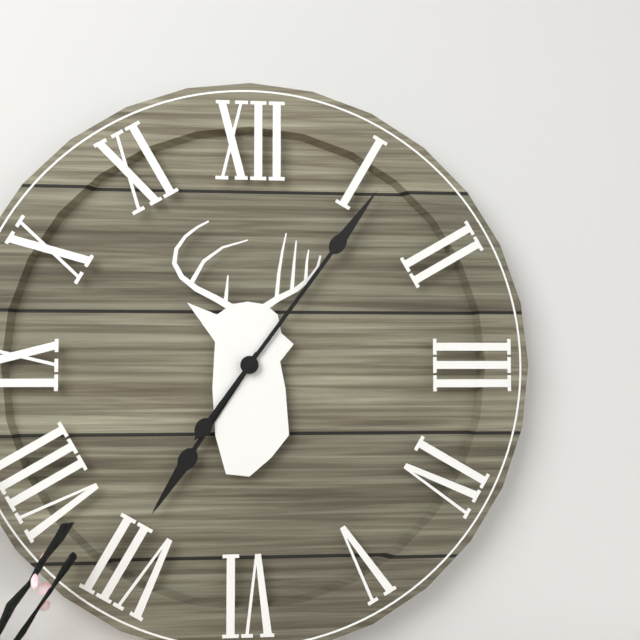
h=7 m=6
